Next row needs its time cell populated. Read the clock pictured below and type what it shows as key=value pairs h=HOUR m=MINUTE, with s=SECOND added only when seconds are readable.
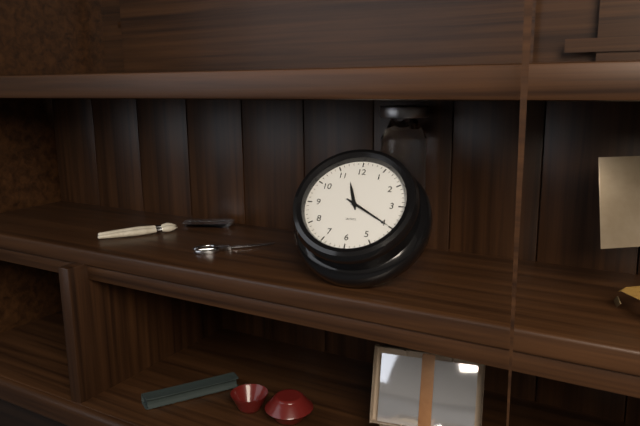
h=11 m=20
